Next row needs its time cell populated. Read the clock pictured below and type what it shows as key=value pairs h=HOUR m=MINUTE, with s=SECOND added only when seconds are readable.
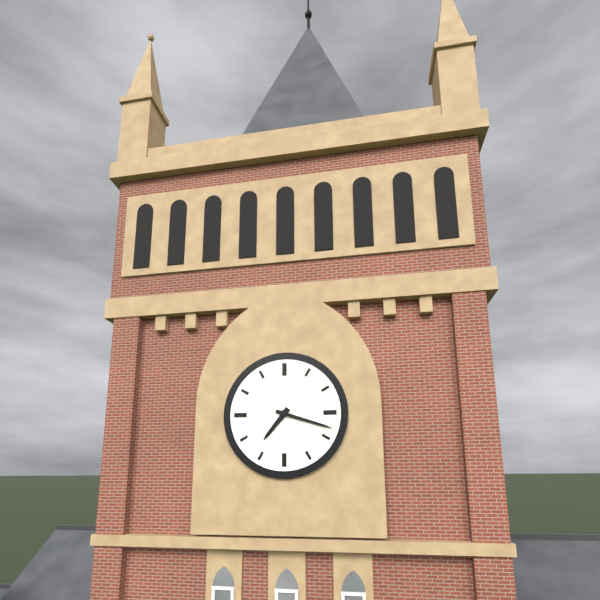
h=7 m=18
